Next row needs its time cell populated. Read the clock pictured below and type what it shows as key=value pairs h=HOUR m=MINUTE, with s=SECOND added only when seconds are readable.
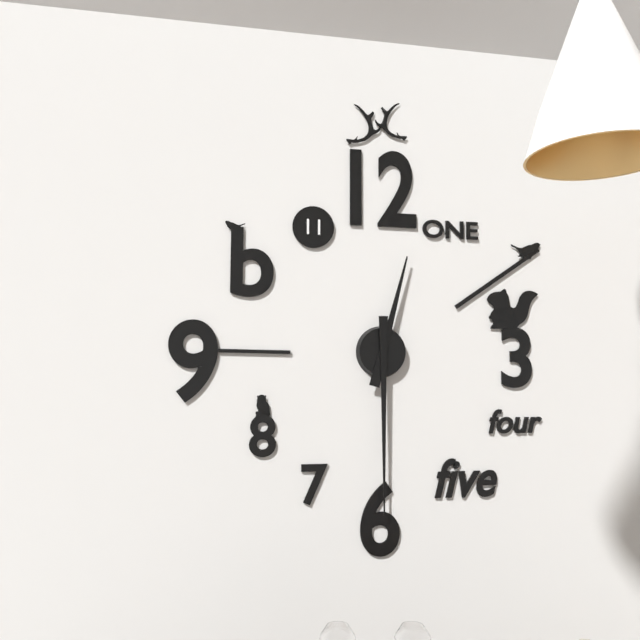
h=12 m=30
